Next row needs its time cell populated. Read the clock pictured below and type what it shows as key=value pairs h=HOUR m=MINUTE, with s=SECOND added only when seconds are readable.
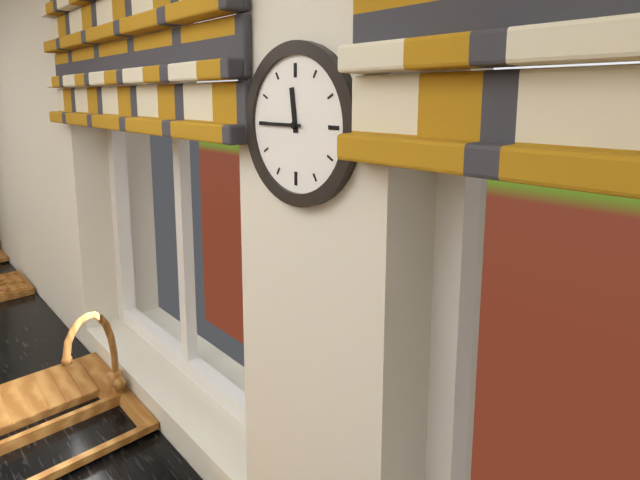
h=11 m=45
